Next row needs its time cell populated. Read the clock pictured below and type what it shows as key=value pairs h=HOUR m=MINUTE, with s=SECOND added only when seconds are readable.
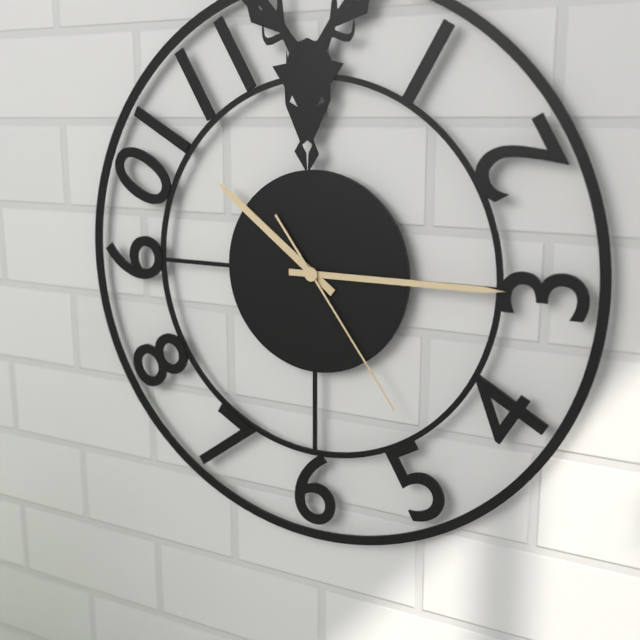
h=10 m=15 s=24
